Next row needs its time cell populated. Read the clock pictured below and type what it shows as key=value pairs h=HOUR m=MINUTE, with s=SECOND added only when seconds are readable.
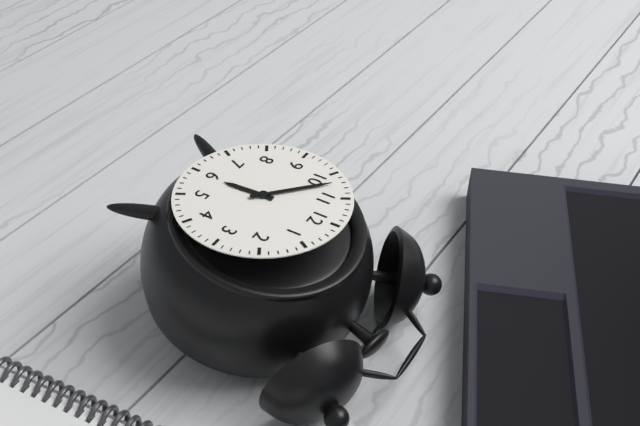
h=5 m=52
